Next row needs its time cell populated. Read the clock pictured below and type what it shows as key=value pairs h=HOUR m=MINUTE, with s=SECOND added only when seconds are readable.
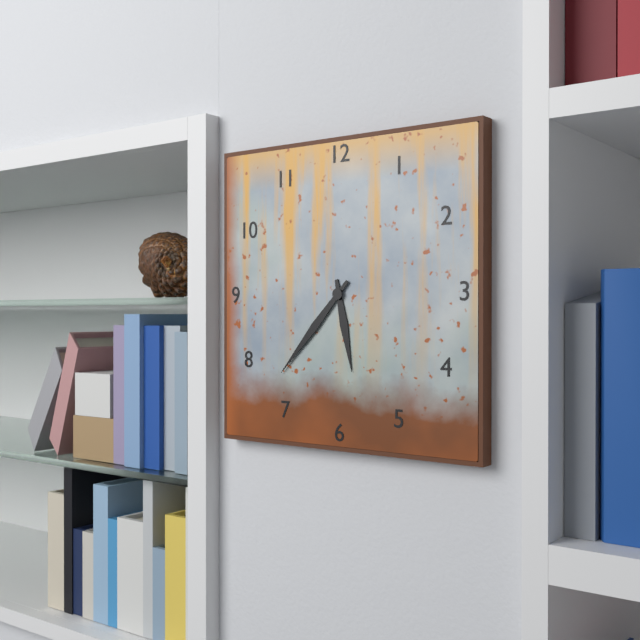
h=5 m=37
